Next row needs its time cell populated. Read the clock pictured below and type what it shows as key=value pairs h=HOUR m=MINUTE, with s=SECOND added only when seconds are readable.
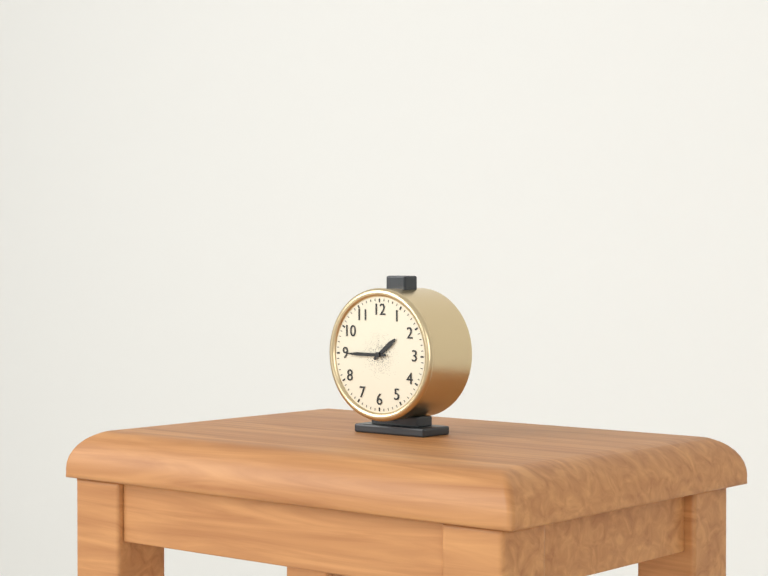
h=1 m=45
